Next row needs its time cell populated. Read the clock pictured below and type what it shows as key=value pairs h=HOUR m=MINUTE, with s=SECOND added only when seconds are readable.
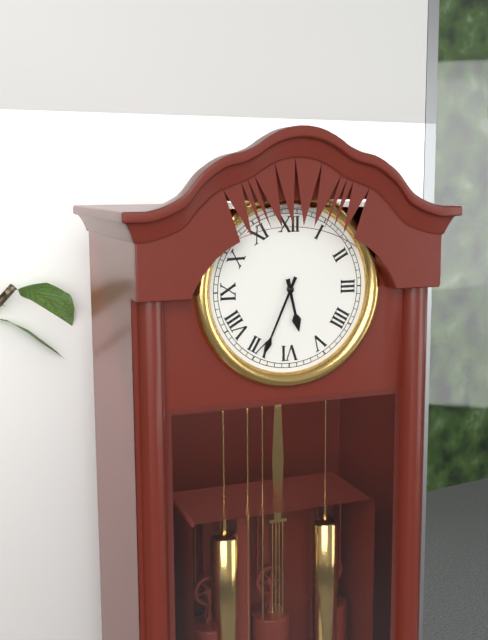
h=5 m=34
